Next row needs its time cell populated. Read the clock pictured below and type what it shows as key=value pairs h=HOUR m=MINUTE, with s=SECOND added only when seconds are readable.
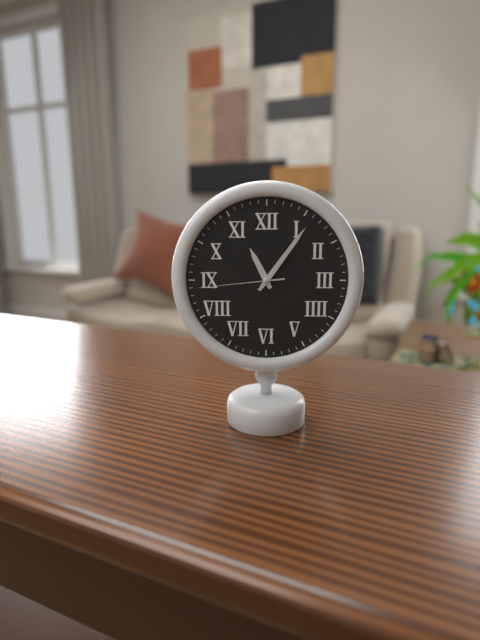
h=11 m=6 s=44
